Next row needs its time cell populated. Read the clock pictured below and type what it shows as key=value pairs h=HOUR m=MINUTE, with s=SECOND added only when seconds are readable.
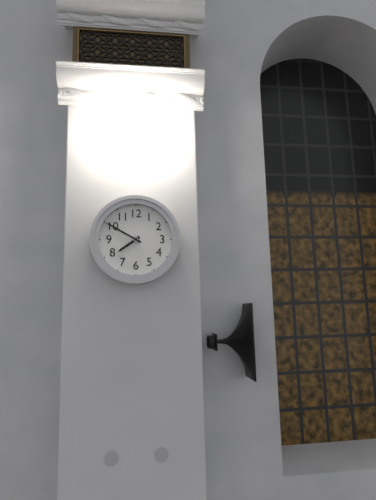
h=7 m=50
